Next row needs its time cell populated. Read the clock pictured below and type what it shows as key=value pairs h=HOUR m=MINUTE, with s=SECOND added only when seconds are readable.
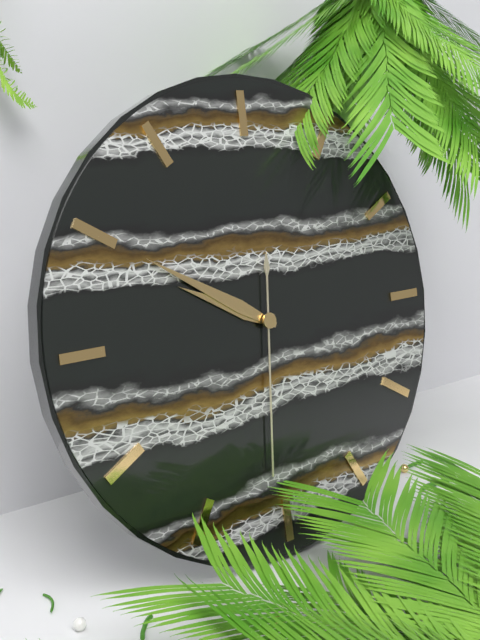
h=9 m=50 s=31
